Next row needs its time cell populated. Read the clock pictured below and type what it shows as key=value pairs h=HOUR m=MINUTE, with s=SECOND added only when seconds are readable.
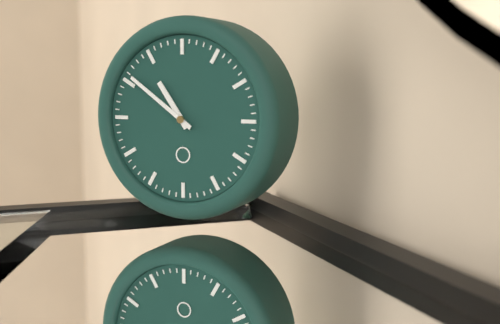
h=10 m=51
